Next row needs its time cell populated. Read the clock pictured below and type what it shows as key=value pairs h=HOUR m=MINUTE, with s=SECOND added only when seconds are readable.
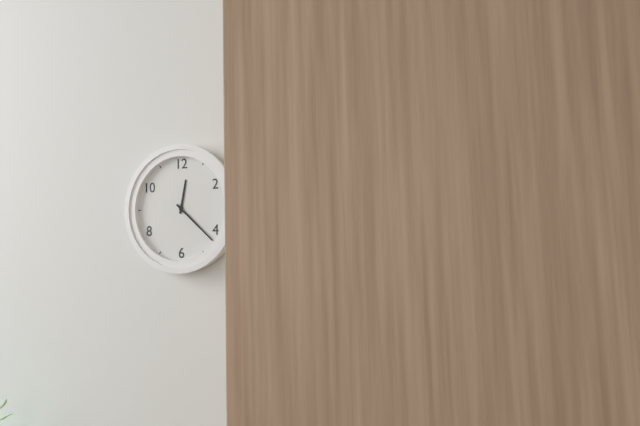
h=12 m=22
